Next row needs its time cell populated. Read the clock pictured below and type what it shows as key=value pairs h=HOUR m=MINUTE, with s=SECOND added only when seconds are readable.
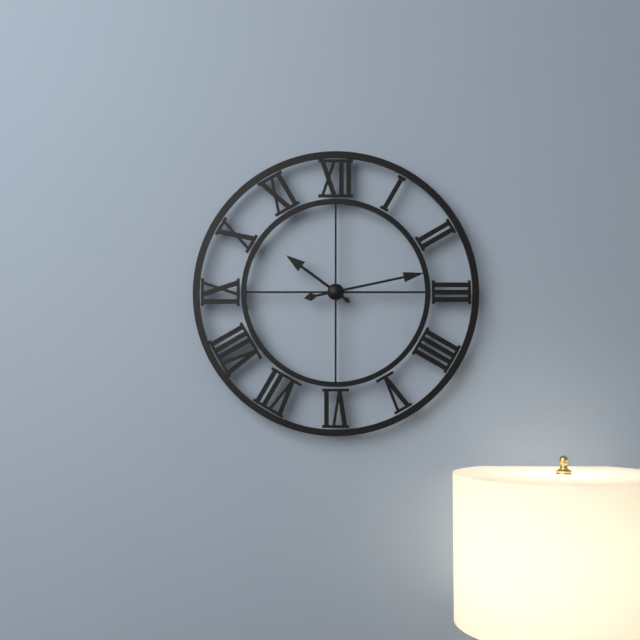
h=10 m=13
